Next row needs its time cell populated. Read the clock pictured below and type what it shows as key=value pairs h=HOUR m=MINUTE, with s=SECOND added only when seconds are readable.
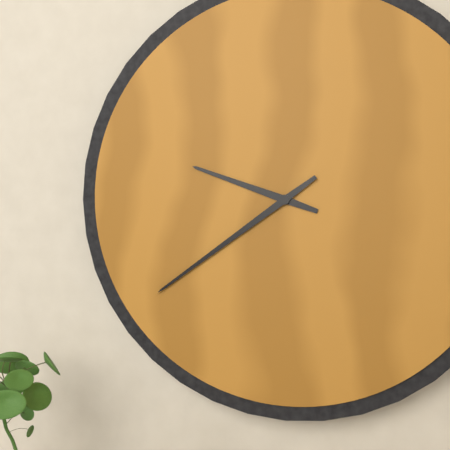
h=9 m=39
